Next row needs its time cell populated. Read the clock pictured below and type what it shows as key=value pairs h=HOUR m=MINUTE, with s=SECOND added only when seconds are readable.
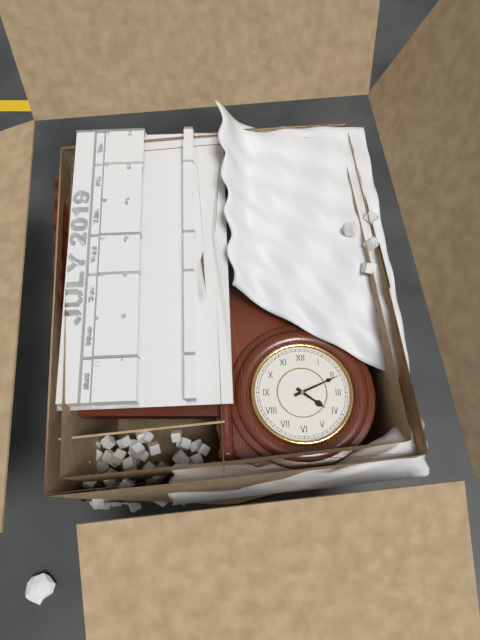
h=4 m=11
